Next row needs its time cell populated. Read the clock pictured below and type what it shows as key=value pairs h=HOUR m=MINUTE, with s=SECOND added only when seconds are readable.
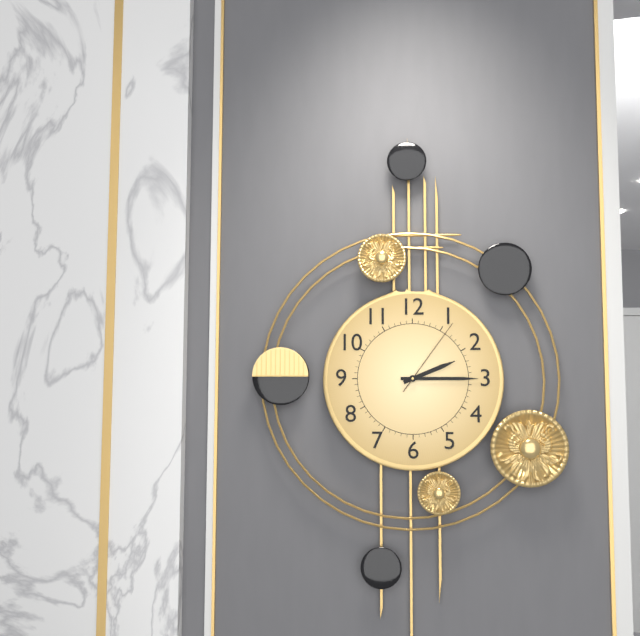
h=2 m=15 s=6
